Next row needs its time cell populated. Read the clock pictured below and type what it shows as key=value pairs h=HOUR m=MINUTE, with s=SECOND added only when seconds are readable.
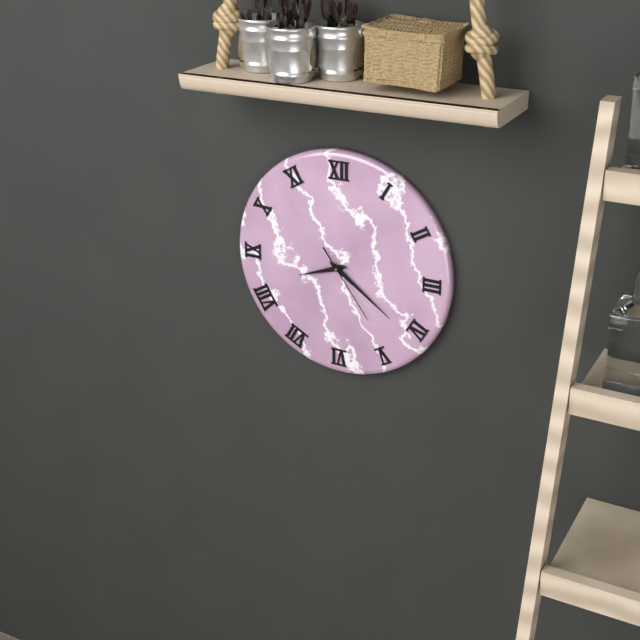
h=8 m=21 s=24
